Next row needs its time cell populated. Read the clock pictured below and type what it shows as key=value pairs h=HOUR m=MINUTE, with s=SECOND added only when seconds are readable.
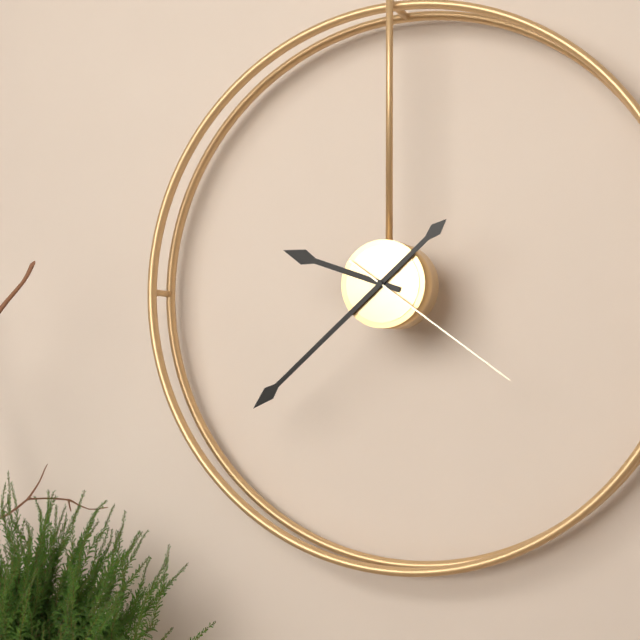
h=9 m=38 s=21
